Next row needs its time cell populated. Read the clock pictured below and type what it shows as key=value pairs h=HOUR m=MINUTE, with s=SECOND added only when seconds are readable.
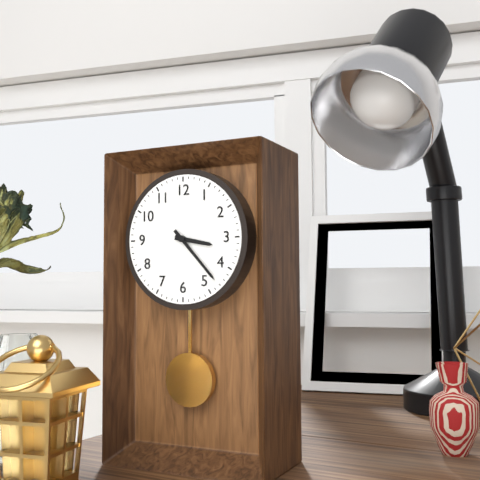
h=3 m=23
